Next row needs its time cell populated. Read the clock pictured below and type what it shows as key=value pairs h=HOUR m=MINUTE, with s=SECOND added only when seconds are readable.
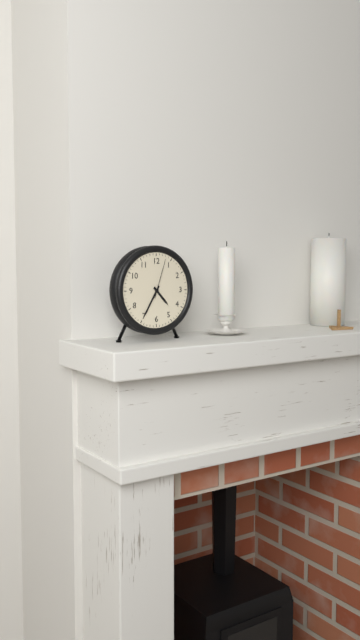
h=4 m=35
